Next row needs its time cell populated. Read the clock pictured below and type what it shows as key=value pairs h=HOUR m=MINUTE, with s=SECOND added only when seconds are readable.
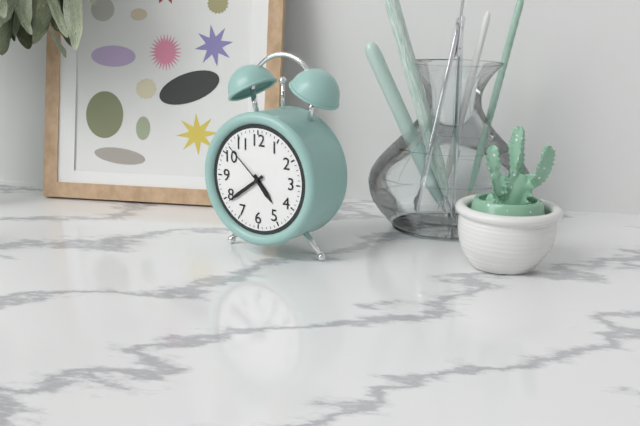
h=4 m=39 s=52
